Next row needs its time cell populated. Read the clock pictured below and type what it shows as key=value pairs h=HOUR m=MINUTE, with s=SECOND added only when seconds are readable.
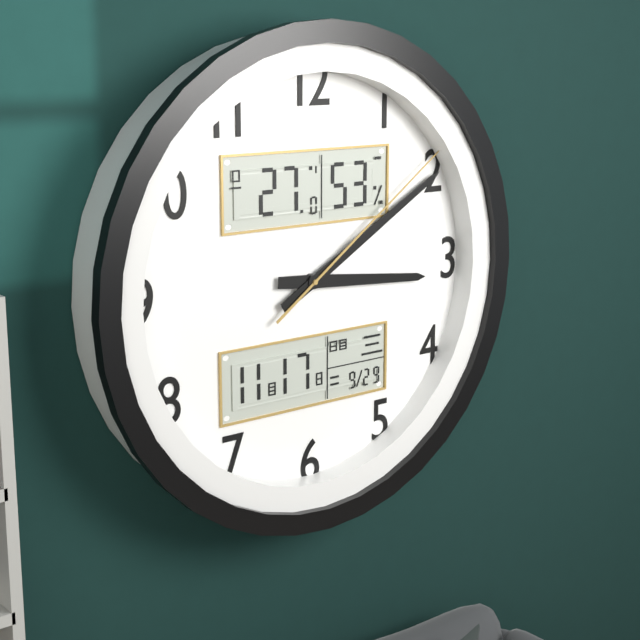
h=3 m=10 s=9
